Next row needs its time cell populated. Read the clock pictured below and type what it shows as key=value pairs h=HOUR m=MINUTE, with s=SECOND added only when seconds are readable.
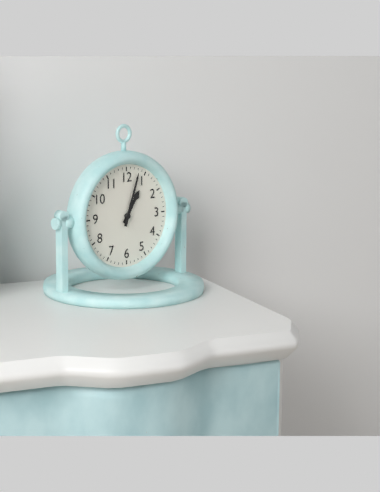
h=1 m=3
